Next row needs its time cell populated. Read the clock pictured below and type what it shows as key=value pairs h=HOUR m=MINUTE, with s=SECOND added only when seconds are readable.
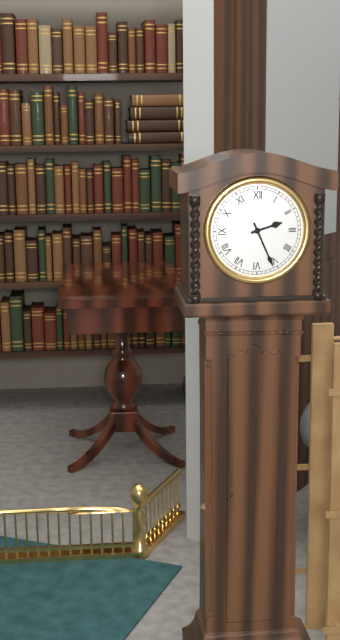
h=2 m=26
